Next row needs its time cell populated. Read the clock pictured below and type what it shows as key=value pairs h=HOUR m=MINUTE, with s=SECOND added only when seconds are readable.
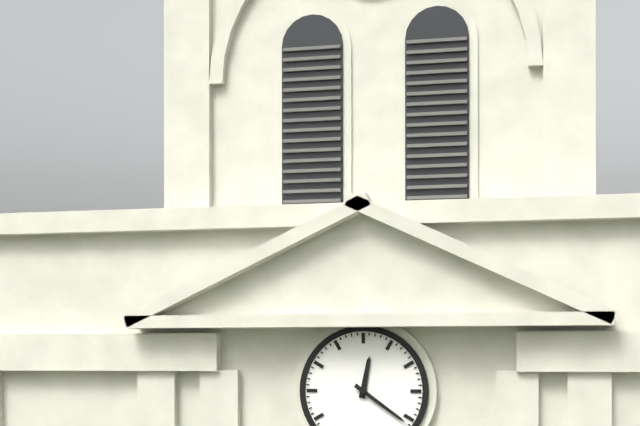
h=12 m=21
